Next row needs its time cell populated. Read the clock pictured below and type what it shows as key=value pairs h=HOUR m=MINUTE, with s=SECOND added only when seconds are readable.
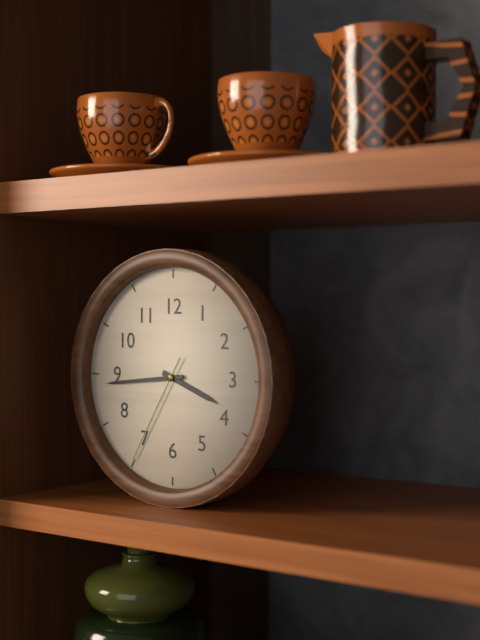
h=3 m=44 s=35
